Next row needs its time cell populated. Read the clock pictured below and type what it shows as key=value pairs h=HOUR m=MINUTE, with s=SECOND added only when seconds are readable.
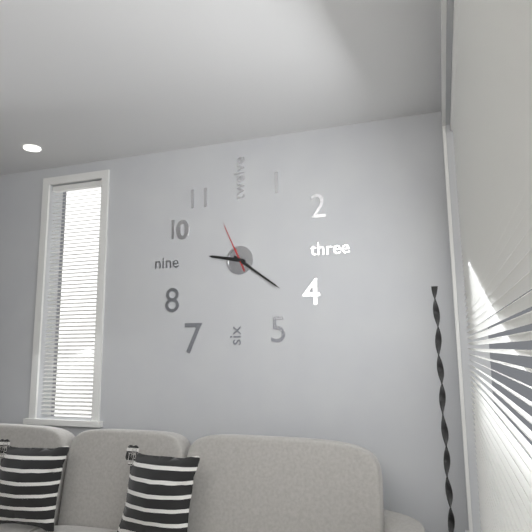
h=9 m=21 s=56
